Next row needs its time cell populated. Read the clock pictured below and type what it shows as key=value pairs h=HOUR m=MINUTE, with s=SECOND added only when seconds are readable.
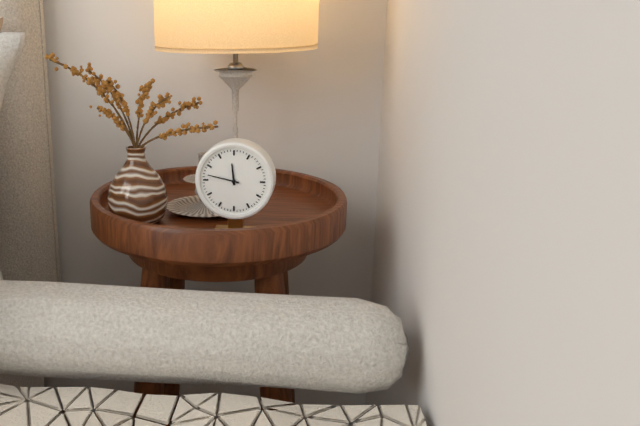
h=11 m=47
